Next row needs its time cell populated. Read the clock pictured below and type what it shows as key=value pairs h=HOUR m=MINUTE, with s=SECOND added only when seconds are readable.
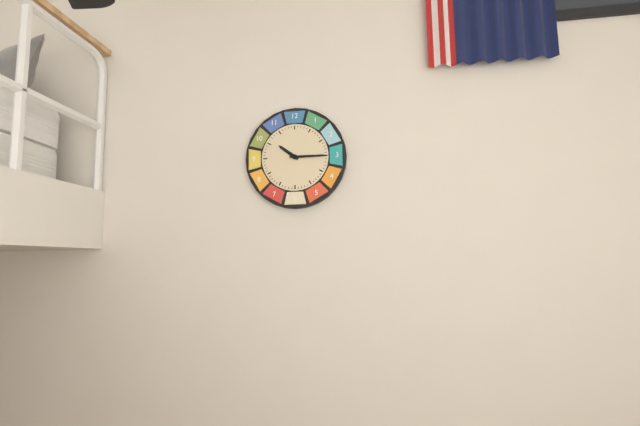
h=10 m=15
